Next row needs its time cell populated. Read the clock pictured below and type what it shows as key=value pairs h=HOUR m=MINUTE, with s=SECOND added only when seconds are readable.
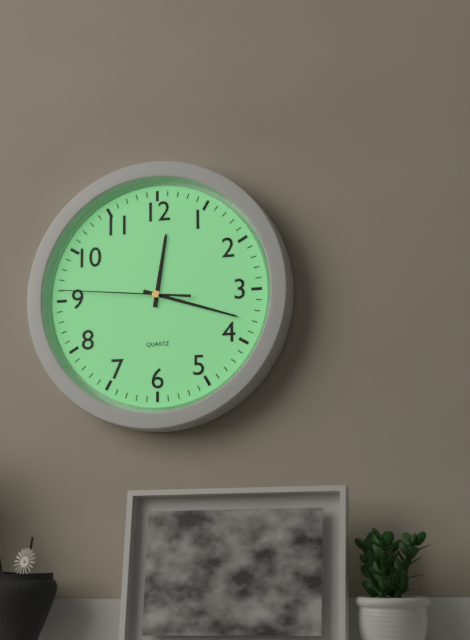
h=12 m=18 s=46
